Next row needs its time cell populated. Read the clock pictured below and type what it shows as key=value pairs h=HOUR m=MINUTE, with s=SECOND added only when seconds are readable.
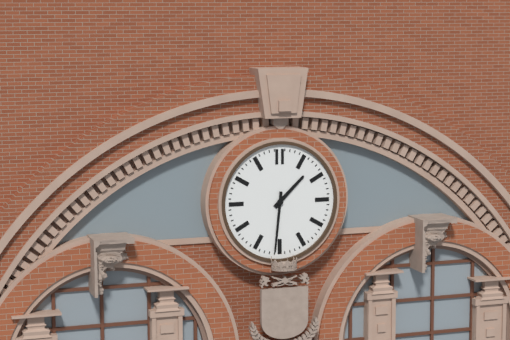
h=1 m=31
